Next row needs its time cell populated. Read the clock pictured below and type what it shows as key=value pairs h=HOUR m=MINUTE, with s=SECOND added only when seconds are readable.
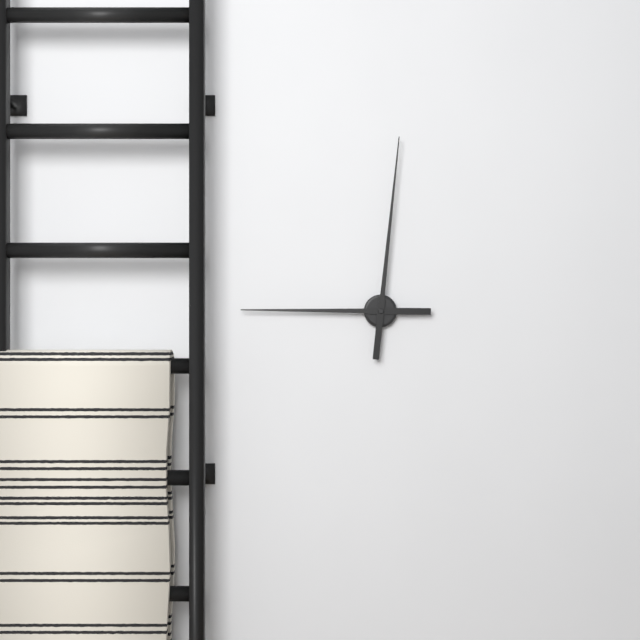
h=9 m=1
